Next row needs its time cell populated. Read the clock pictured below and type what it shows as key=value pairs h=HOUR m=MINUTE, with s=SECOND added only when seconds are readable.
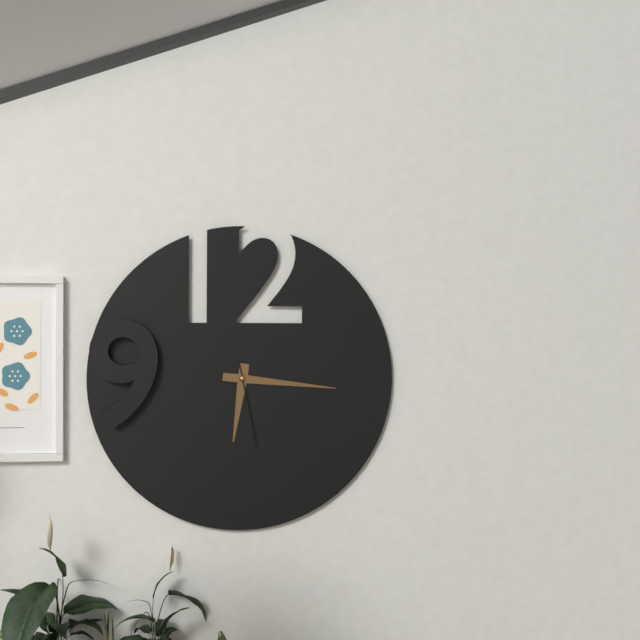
h=6 m=16 s=28
